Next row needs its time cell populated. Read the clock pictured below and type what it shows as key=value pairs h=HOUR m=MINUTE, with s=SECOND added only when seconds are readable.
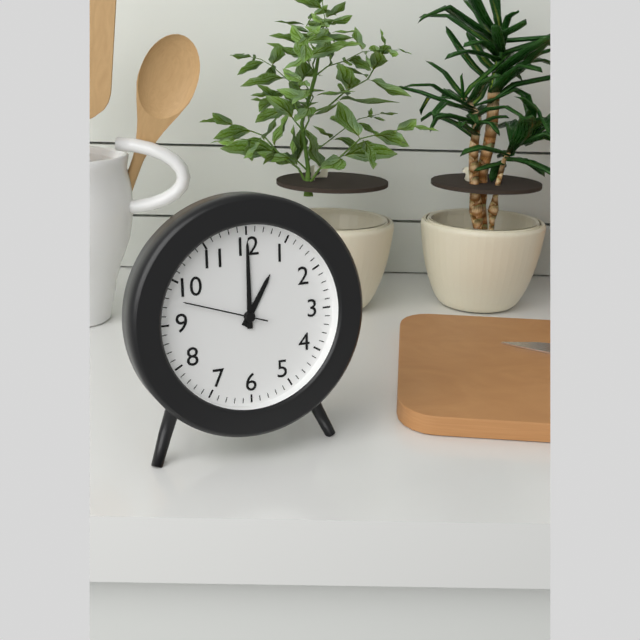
h=1 m=0 s=48
